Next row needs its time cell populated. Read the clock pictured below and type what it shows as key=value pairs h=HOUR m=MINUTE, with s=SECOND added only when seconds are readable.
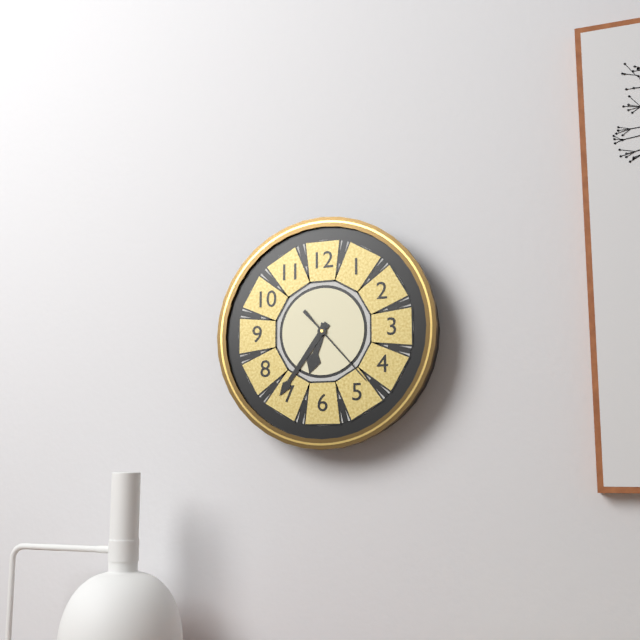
h=6 m=36 s=23
